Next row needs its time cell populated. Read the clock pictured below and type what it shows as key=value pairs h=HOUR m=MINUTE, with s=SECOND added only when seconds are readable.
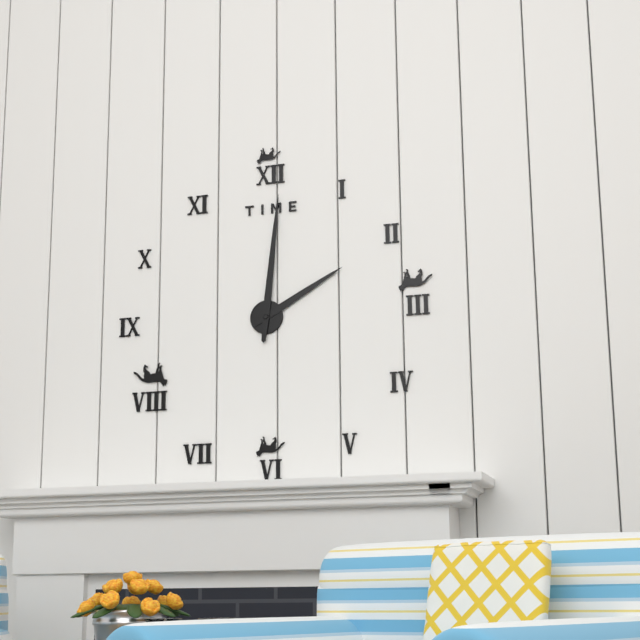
h=2 m=1
